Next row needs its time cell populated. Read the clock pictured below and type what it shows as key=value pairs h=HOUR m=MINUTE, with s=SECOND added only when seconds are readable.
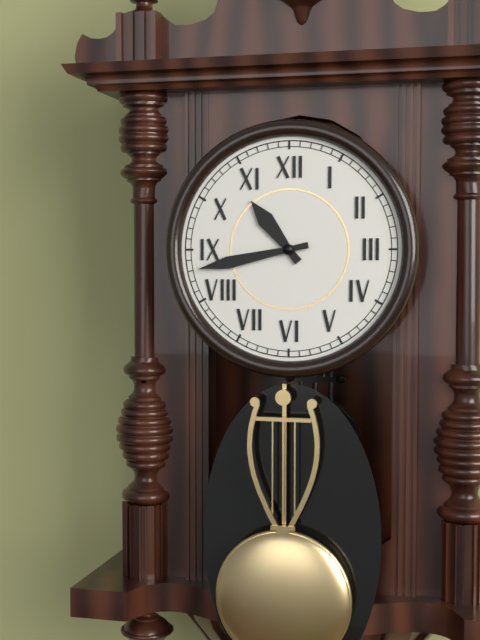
h=10 m=43
